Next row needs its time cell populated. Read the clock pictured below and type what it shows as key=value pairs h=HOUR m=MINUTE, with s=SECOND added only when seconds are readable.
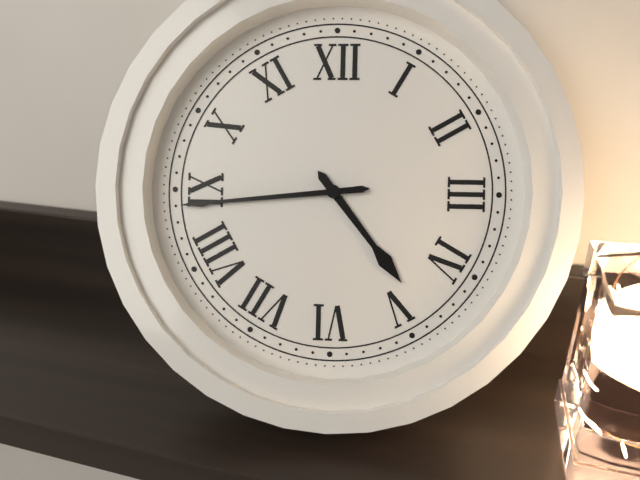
h=4 m=44
